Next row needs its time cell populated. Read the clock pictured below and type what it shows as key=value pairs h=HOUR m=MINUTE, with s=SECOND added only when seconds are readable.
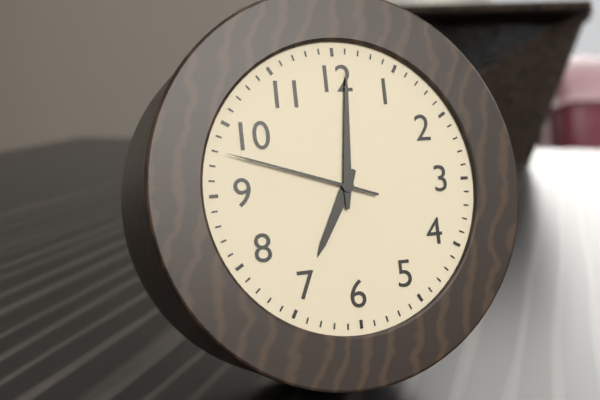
h=7 m=1 s=48
